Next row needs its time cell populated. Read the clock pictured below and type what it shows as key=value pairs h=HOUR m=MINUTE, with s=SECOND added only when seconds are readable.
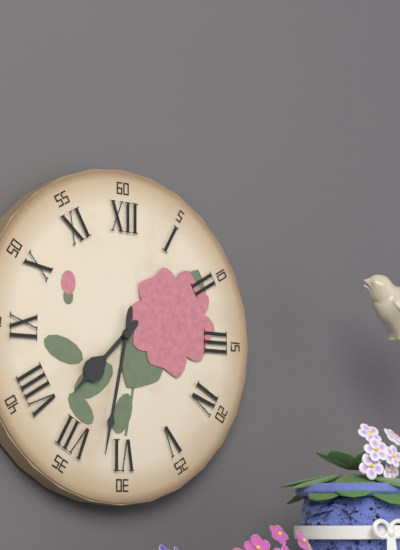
h=7 m=32
